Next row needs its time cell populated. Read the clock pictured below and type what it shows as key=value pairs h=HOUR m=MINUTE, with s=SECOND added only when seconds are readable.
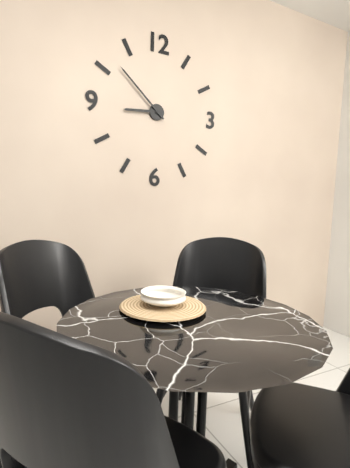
h=8 m=52
